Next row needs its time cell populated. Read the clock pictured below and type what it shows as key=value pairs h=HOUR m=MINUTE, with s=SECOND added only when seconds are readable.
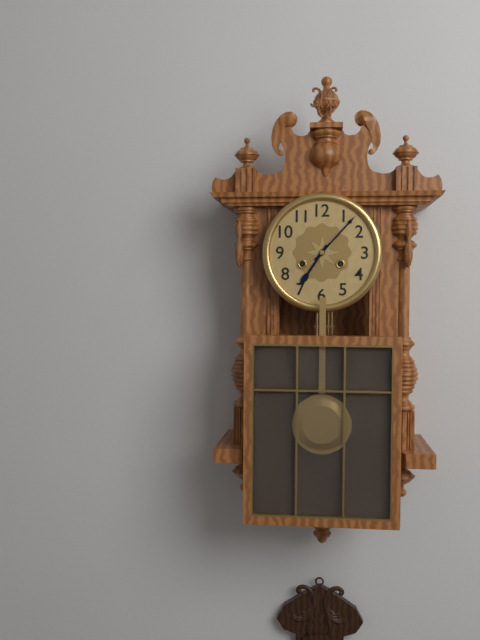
h=7 m=7
